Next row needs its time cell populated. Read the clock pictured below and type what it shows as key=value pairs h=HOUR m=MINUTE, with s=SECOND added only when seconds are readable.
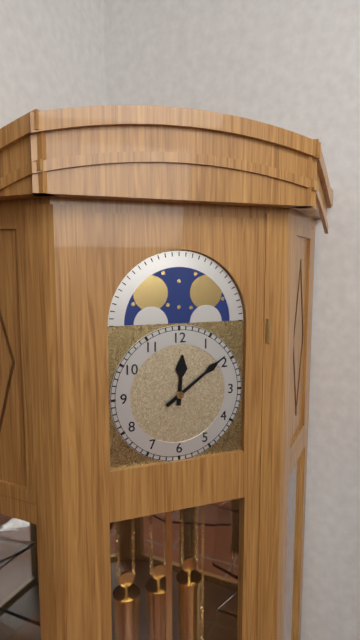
h=12 m=9
